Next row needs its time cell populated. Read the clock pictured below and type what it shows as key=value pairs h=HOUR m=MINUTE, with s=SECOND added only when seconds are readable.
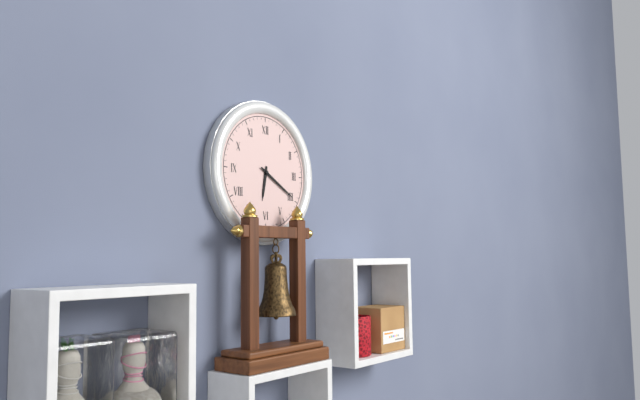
h=6 m=20
